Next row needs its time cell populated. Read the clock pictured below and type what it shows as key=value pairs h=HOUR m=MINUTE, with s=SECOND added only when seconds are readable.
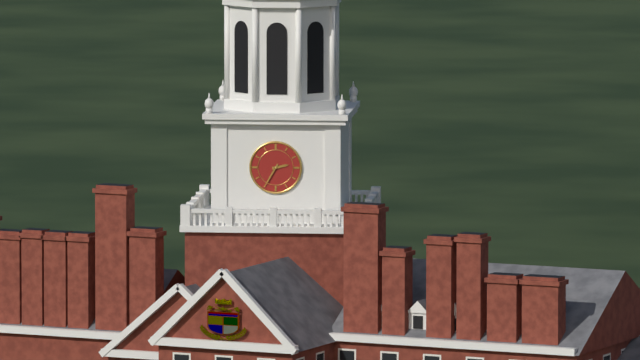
h=2 m=35
